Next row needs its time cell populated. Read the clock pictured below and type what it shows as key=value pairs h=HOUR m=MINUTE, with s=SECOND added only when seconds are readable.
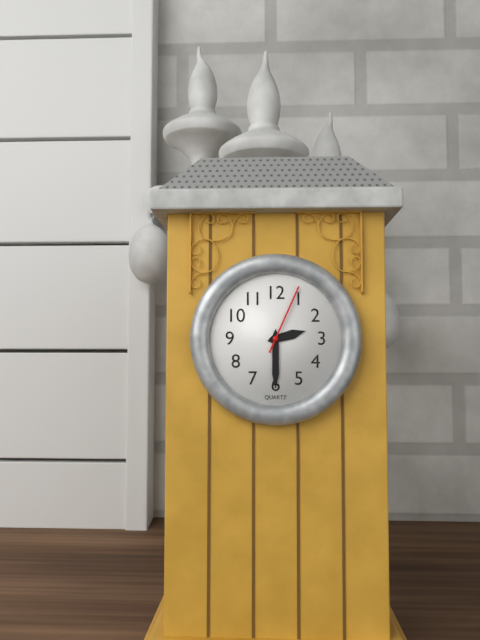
h=2 m=30 s=4
